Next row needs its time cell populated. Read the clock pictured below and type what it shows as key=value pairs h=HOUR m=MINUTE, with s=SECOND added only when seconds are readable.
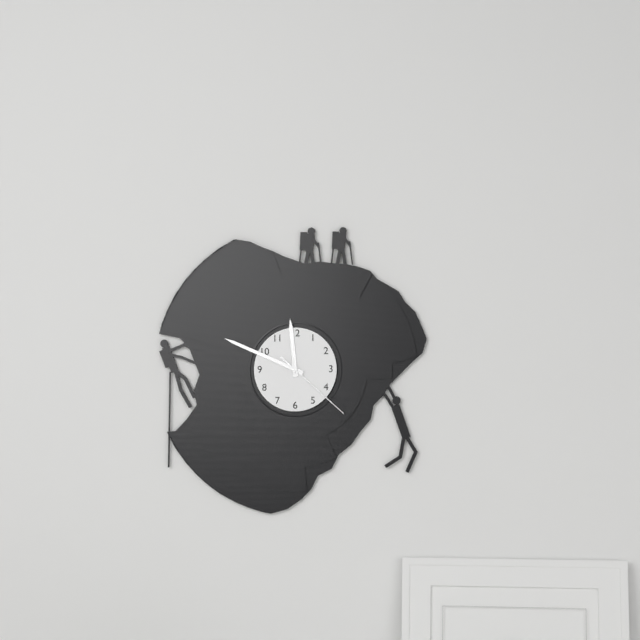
h=11 m=49 s=22
